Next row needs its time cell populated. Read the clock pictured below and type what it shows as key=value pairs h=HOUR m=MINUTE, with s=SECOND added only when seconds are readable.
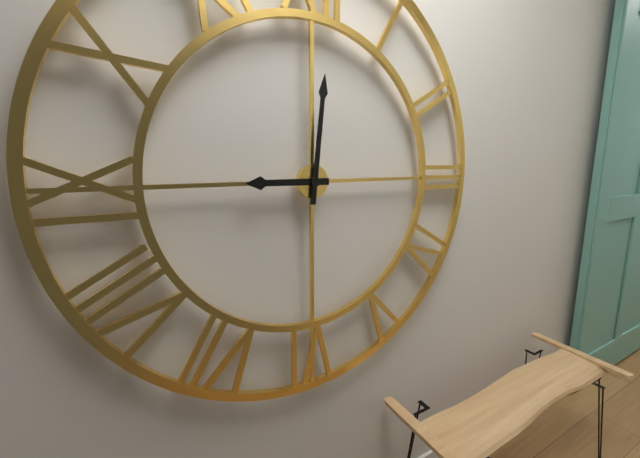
h=9 m=1
